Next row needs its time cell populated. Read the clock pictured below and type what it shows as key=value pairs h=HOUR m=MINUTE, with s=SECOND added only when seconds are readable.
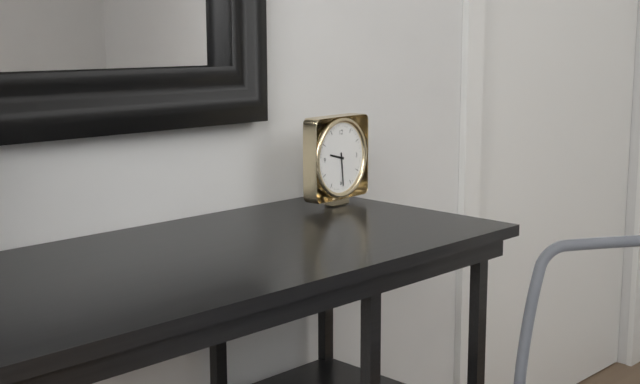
h=9 m=29
